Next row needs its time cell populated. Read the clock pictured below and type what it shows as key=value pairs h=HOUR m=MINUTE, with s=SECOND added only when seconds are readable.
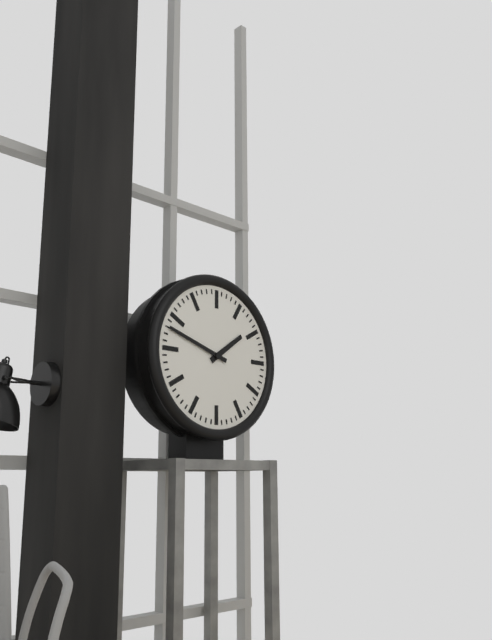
h=1 m=48
